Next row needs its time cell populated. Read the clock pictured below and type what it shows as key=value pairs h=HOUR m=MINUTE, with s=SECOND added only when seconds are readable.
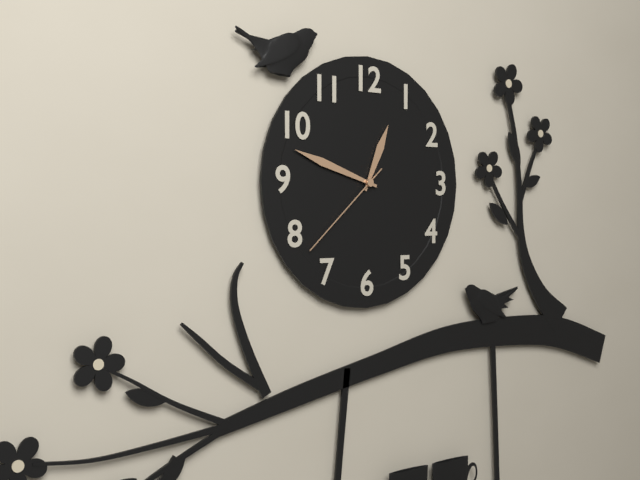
h=12 m=48 s=38
